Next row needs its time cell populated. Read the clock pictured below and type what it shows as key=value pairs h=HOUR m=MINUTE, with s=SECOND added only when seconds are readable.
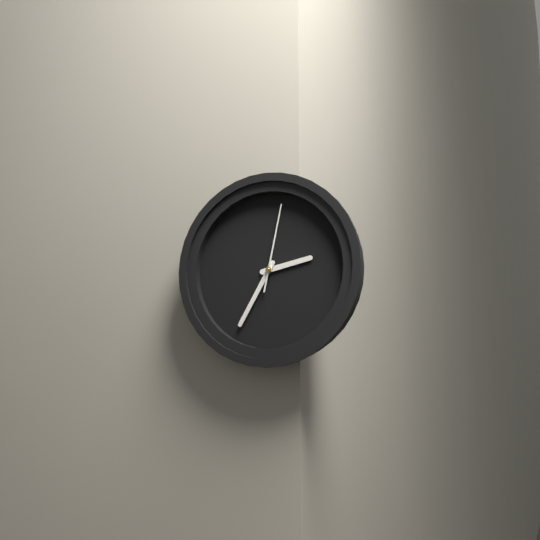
h=2 m=35 s=2
